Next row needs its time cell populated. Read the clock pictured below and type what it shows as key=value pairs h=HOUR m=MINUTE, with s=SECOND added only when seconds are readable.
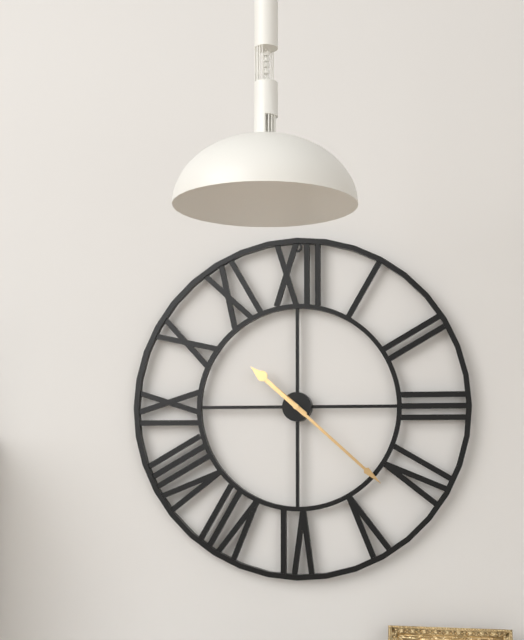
h=10 m=22
